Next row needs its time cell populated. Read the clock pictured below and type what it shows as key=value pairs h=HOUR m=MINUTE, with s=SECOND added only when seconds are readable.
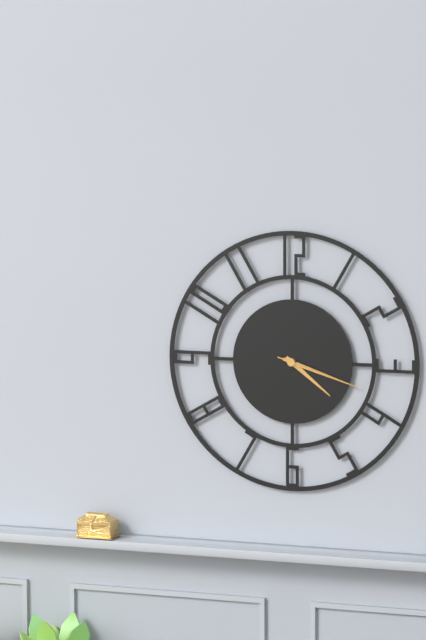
h=4 m=18 s=18
